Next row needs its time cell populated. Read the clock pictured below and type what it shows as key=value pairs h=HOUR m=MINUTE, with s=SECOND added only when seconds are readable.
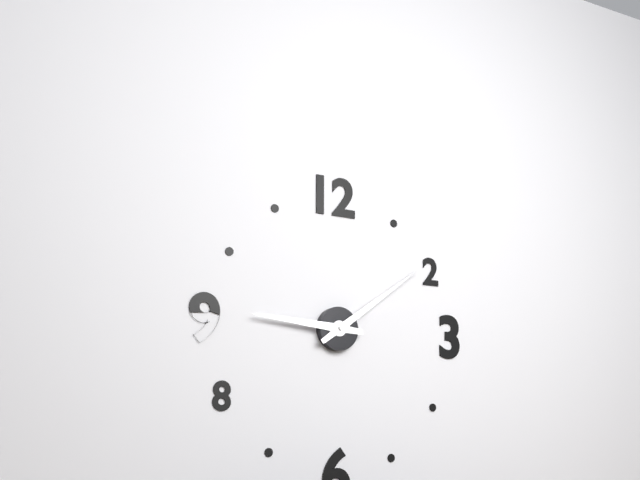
h=9 m=9
